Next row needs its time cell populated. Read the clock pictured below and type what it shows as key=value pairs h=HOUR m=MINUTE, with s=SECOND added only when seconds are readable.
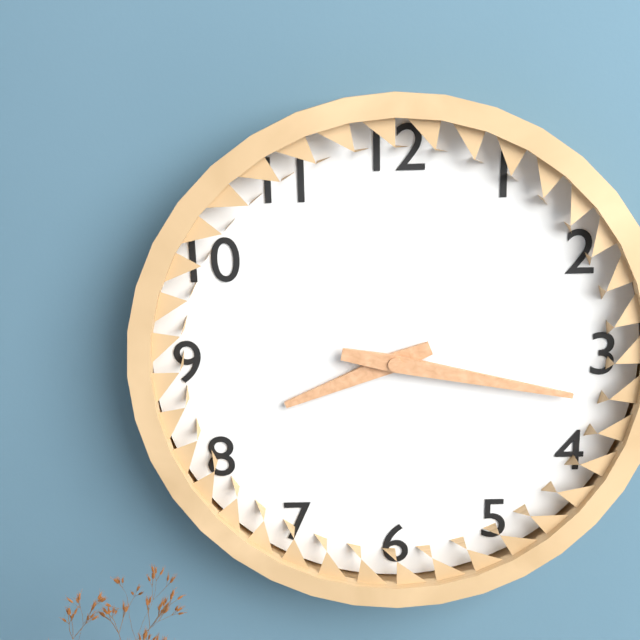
h=8 m=17
